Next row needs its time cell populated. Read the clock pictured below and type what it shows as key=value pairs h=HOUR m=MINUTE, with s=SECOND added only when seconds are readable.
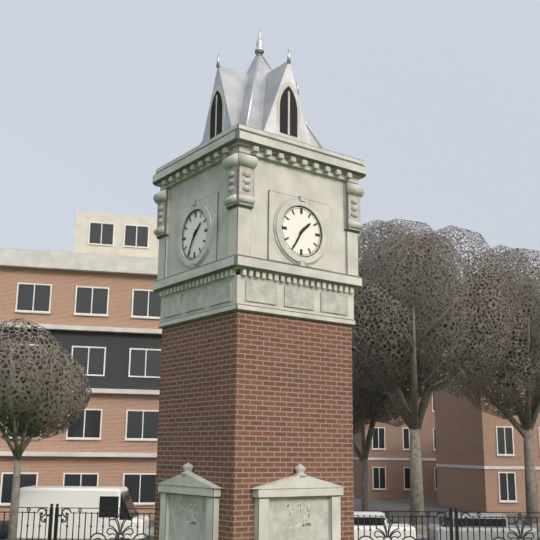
h=1 m=35
